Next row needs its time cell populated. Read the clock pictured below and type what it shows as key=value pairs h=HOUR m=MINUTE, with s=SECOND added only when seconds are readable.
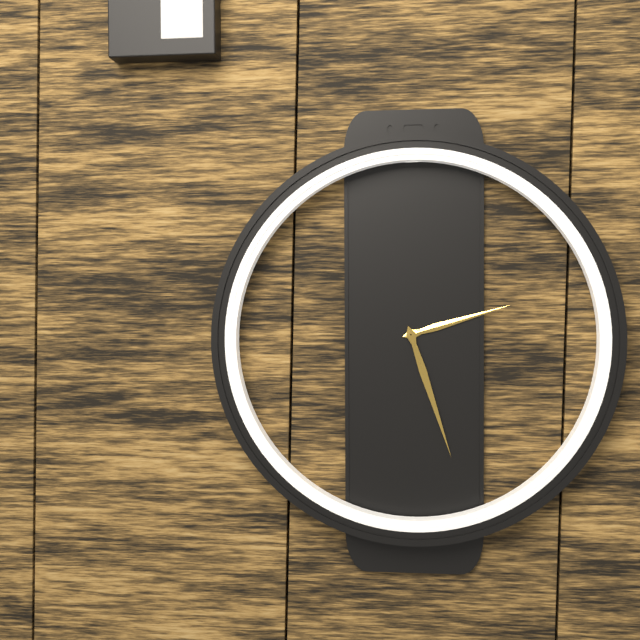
h=2 m=27
